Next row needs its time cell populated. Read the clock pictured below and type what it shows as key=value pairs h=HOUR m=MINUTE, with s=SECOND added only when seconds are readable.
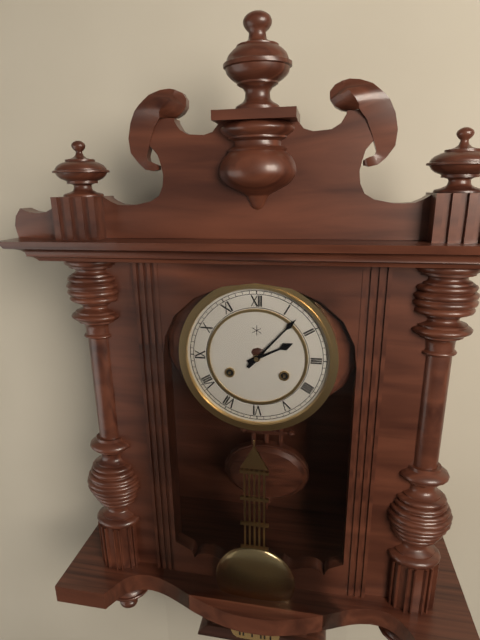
h=2 m=7
